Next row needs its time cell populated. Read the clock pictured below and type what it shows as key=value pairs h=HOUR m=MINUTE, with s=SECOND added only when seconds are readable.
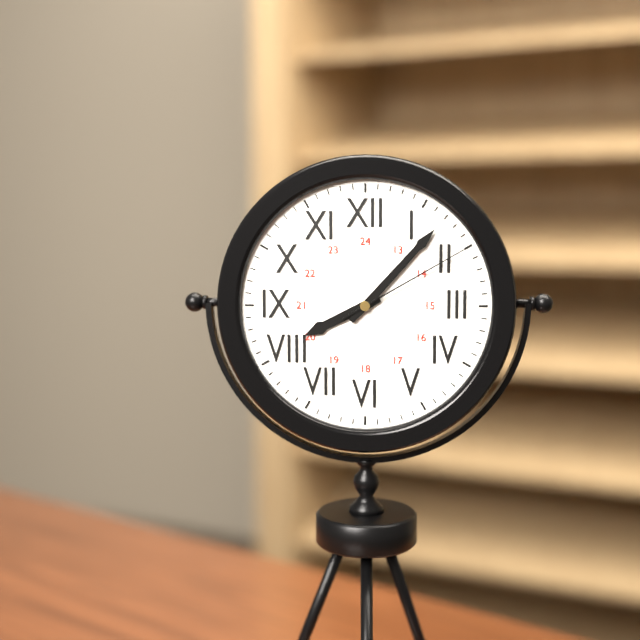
h=8 m=7 s=10
